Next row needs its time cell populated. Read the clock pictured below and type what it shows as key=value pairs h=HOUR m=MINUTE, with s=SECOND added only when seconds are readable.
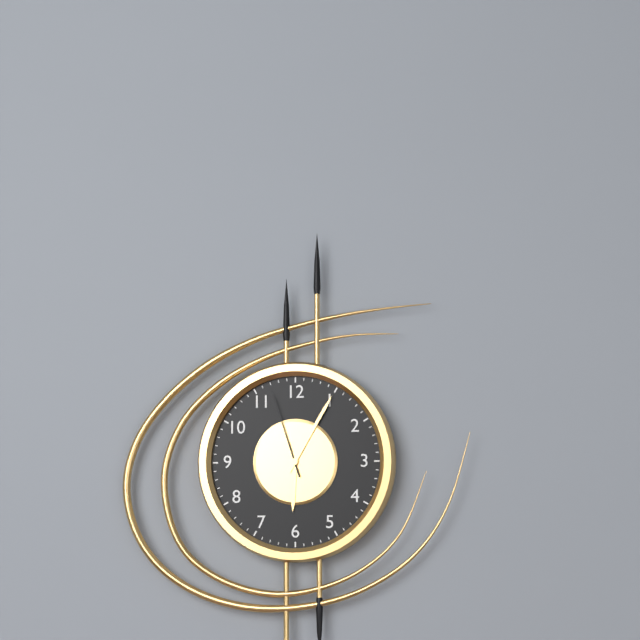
h=6 m=5 s=57
